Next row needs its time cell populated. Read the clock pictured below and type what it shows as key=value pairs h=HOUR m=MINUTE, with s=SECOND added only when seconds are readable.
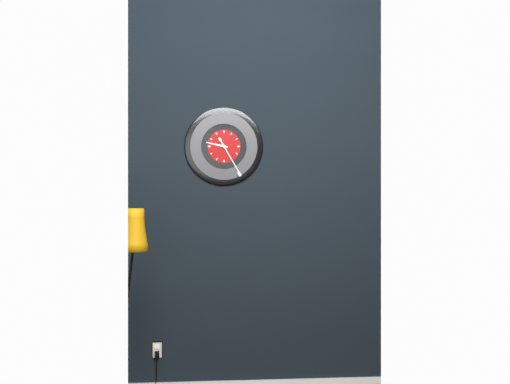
h=9 m=25
